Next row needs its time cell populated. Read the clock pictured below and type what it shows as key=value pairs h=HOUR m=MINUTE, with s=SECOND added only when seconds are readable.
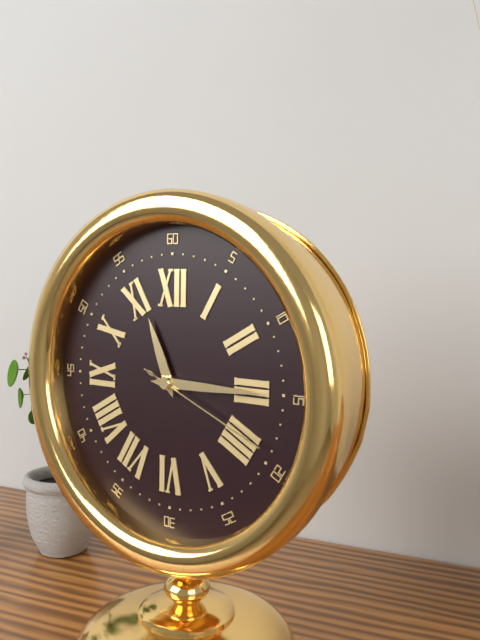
h=11 m=15 s=19
